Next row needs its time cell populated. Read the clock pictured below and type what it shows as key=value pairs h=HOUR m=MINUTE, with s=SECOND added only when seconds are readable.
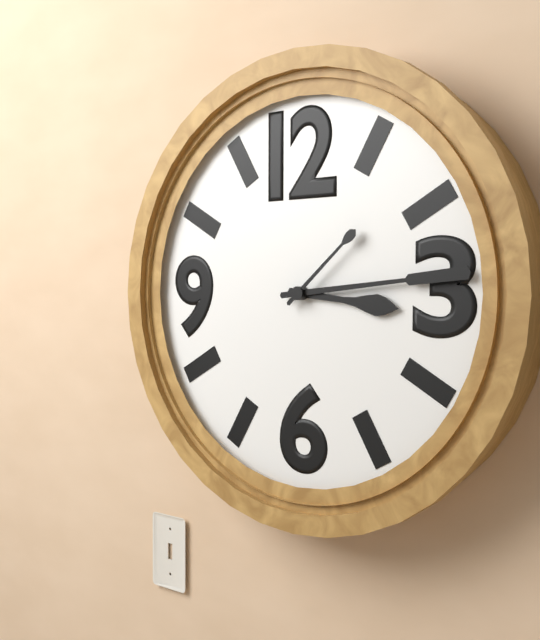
h=3 m=14 s=8
